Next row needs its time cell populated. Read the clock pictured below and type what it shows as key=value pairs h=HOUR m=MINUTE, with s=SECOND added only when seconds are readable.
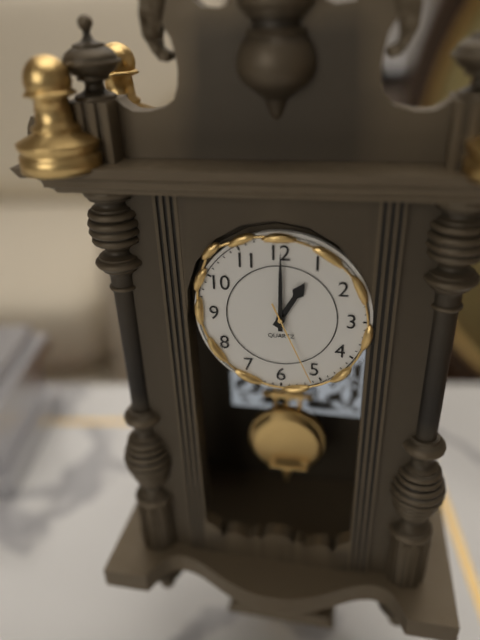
h=1 m=0 s=26
